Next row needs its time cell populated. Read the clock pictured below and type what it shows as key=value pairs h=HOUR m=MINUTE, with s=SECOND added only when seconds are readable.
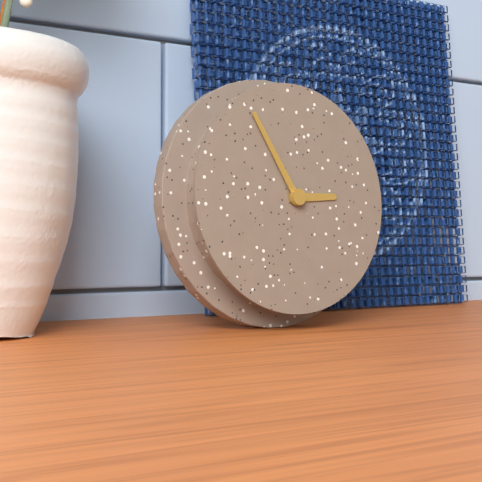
h=2 m=55
